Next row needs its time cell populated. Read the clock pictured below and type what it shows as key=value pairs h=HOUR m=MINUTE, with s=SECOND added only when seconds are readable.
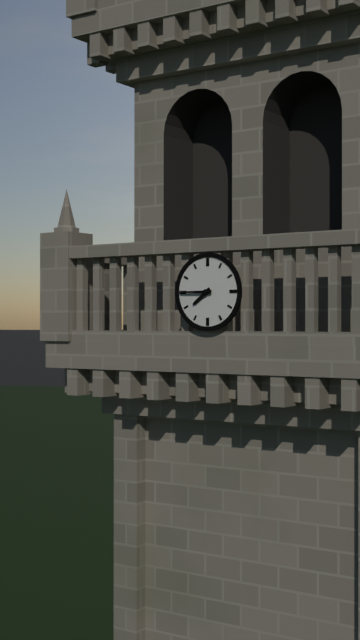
h=7 m=45
